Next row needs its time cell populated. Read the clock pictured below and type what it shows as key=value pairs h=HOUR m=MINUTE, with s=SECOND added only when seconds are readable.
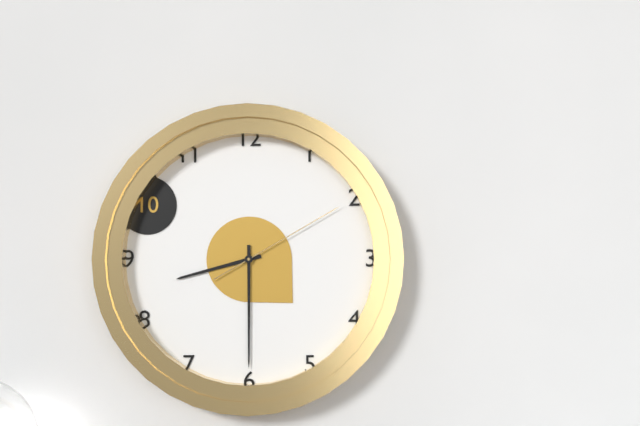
h=8 m=30 s=10
